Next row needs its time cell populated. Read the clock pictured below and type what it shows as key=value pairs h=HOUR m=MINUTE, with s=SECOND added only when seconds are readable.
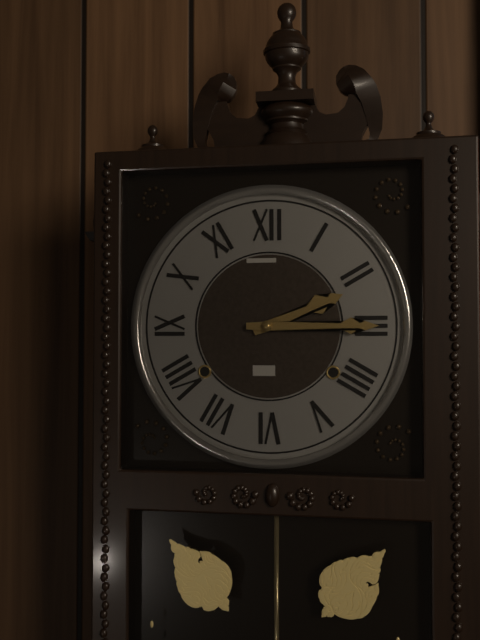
h=2 m=15
